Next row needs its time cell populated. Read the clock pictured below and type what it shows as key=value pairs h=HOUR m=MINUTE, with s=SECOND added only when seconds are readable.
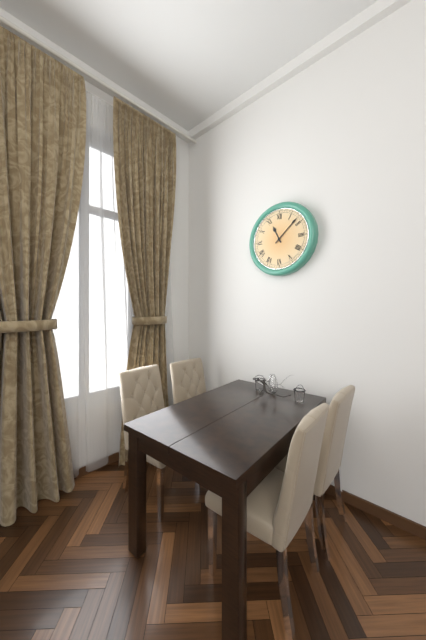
h=11 m=8
